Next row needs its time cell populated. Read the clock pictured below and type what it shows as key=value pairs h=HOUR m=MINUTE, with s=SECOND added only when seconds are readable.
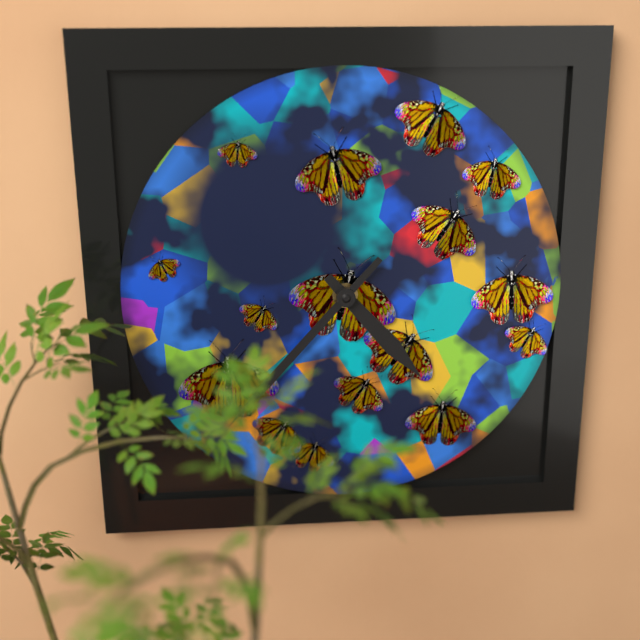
h=4 m=37
